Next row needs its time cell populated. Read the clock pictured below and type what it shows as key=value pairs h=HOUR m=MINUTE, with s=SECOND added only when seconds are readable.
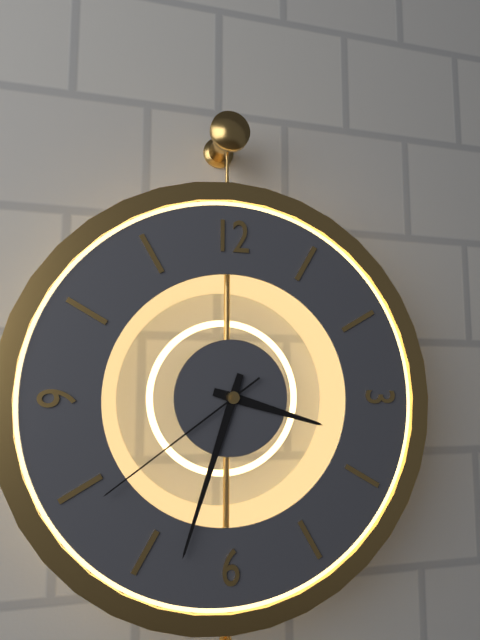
h=3 m=33 s=39
